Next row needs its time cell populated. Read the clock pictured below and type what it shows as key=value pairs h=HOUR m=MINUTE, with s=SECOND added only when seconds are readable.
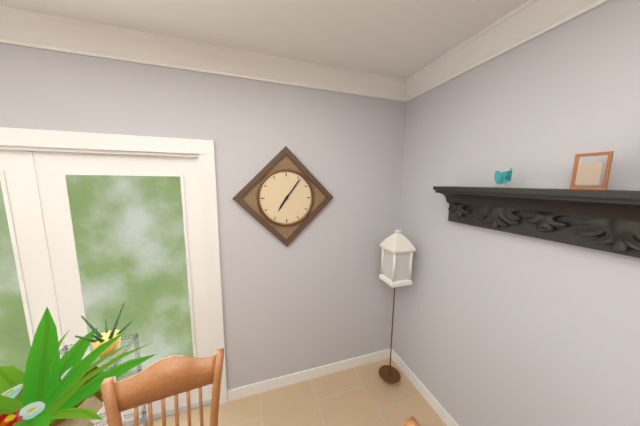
h=7 m=6
